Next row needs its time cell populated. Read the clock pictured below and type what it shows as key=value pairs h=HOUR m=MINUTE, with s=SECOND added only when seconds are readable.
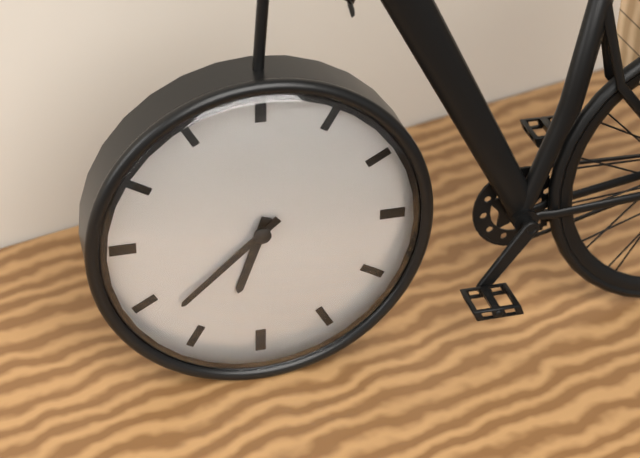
h=6 m=38
